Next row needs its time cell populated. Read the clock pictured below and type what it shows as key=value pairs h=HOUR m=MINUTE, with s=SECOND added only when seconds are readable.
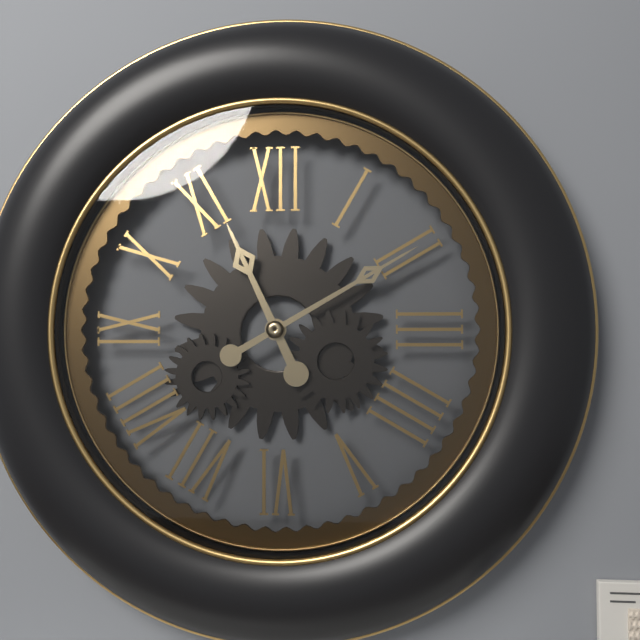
h=11 m=10
